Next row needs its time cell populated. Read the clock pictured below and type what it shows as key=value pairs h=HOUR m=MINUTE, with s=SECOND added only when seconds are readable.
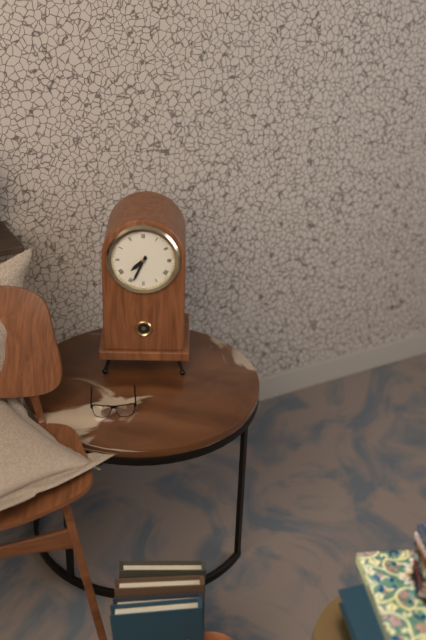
h=7 m=34
